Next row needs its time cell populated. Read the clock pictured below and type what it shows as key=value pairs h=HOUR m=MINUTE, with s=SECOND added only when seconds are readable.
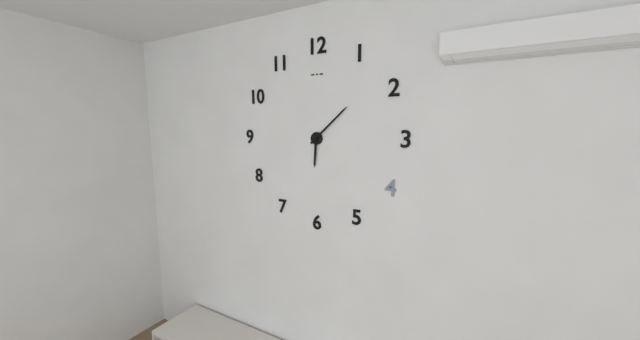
h=6 m=8
